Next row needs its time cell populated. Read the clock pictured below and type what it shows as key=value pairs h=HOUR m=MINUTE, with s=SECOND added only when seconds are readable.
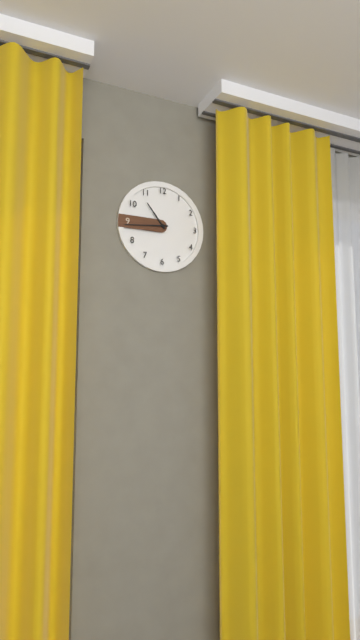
h=10 m=44
